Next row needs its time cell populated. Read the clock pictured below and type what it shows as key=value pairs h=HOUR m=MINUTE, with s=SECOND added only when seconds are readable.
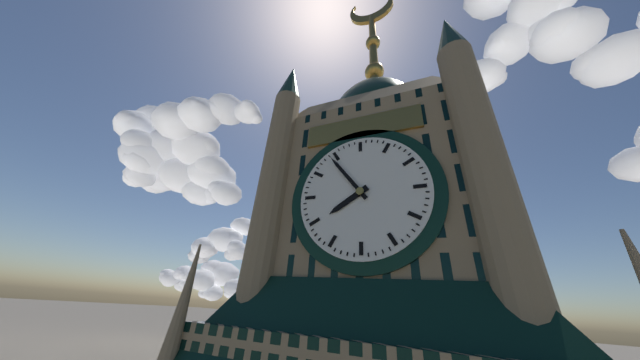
h=7 m=54
